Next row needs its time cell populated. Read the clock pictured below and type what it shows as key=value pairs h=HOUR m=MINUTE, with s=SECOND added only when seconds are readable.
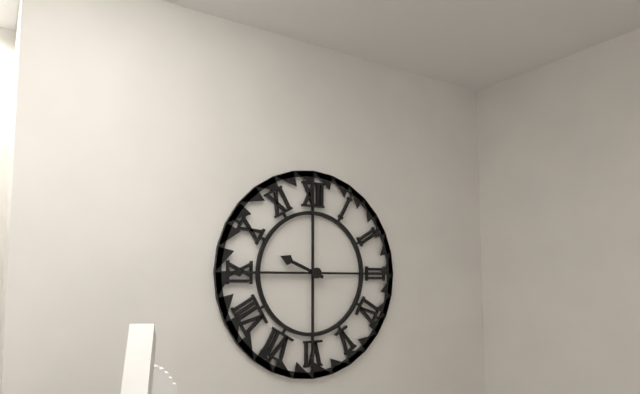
h=9 m=45
